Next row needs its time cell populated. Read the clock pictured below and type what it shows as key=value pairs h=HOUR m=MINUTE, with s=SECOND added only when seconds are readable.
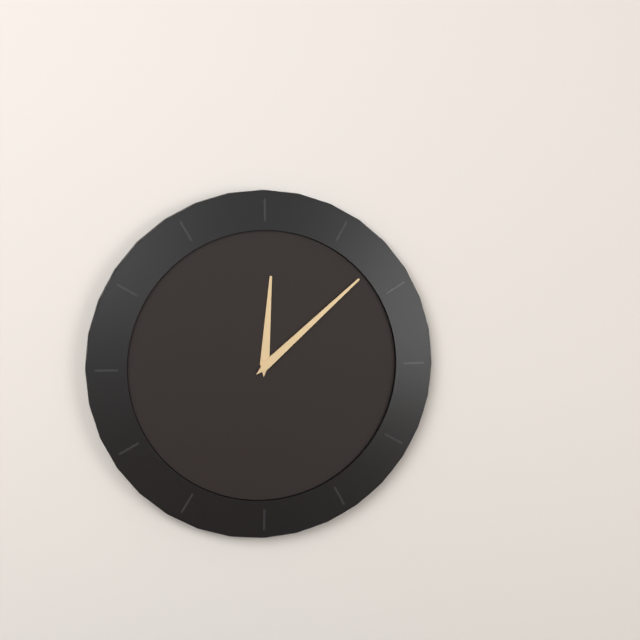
h=12 m=8
